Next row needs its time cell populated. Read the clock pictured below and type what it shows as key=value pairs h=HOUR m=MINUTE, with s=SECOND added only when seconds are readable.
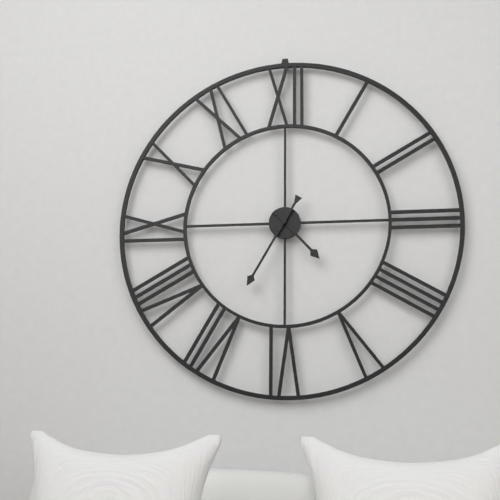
h=4 m=35
